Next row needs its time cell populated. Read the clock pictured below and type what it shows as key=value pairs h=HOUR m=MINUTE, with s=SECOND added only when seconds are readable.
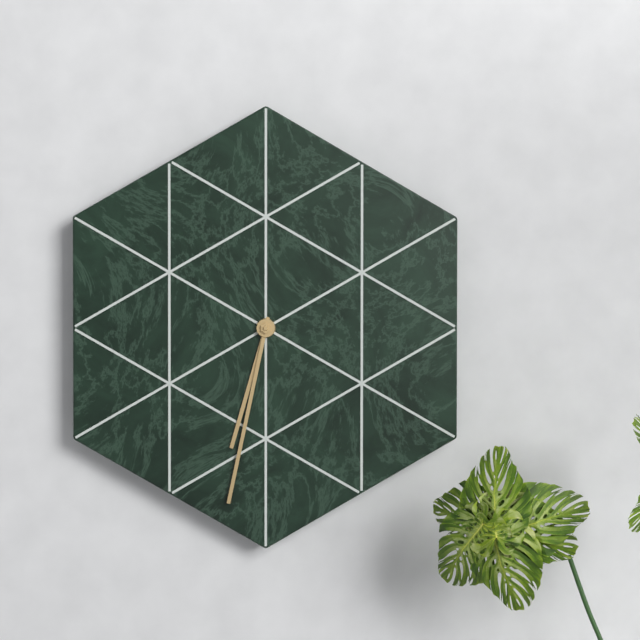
h=6 m=32
